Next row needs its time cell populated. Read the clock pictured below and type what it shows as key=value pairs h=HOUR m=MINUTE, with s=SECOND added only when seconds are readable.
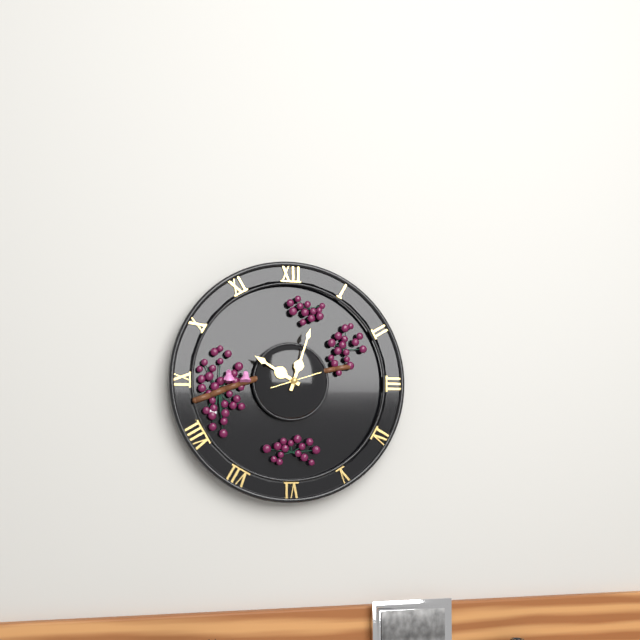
h=10 m=3
